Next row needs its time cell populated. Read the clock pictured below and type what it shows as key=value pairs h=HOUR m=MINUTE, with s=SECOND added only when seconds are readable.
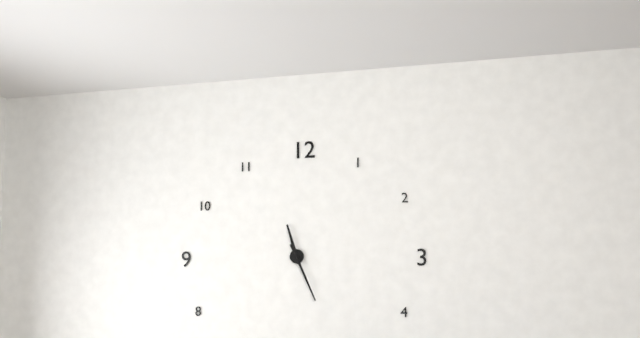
h=11 m=26
